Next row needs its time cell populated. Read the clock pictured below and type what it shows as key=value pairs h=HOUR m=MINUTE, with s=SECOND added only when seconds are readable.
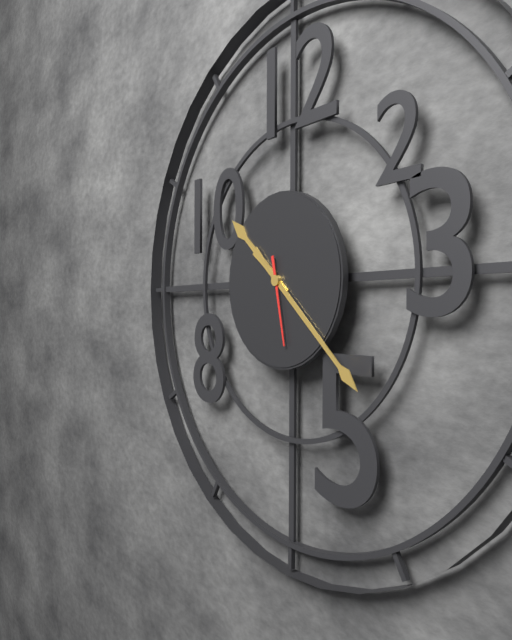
h=10 m=22 s=28
